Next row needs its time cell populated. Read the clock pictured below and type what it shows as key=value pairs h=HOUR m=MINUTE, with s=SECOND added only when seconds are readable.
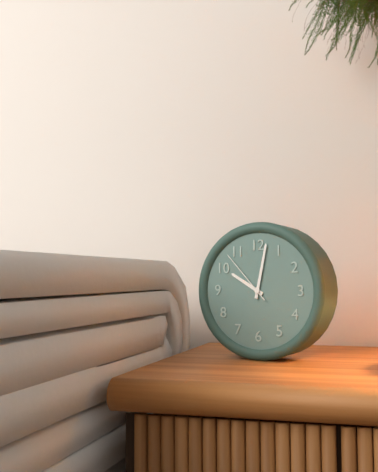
h=10 m=2 s=53
